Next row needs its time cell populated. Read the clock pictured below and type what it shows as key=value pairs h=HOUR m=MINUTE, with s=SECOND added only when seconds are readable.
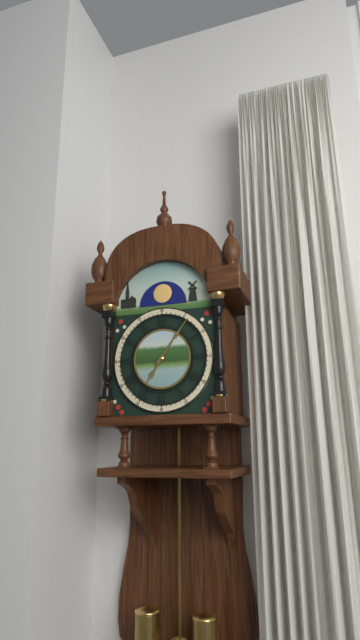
h=7 m=6
